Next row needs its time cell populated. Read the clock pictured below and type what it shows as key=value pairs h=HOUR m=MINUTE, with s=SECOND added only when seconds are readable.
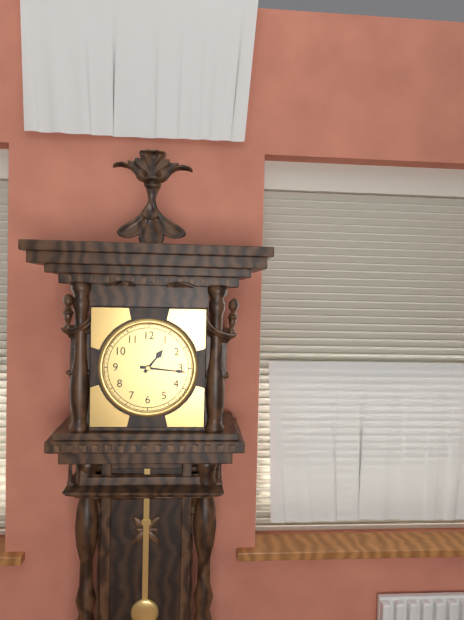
h=1 m=16
